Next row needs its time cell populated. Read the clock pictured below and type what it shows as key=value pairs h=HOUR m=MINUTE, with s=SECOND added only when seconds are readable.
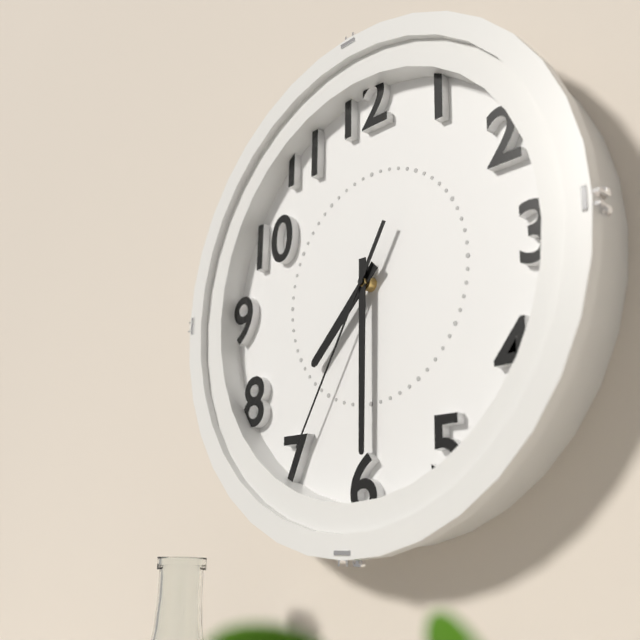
h=7 m=30 s=35
